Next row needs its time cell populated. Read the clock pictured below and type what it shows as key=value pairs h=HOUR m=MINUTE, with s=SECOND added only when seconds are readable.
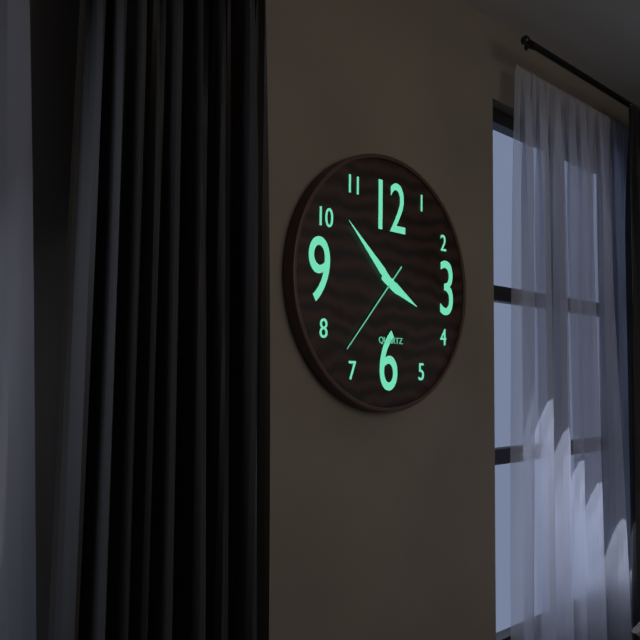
h=3 m=52 s=37
